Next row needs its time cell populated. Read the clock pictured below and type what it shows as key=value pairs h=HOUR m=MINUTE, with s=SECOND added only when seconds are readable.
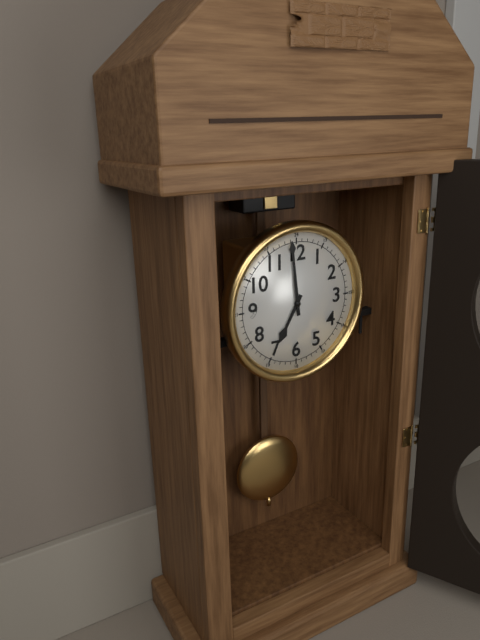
h=6 m=59
